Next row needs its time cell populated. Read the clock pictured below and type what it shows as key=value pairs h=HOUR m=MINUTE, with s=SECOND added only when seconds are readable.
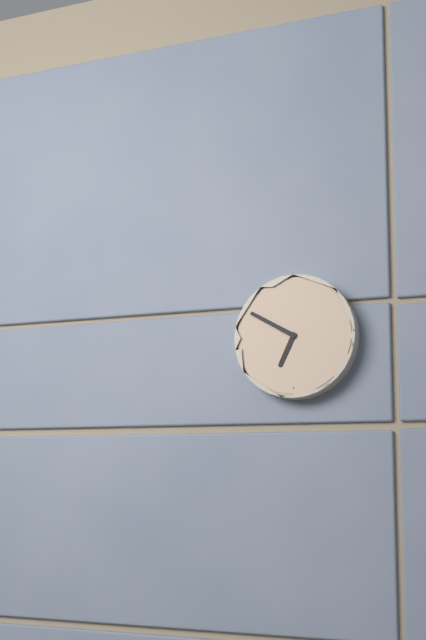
h=6 m=50
